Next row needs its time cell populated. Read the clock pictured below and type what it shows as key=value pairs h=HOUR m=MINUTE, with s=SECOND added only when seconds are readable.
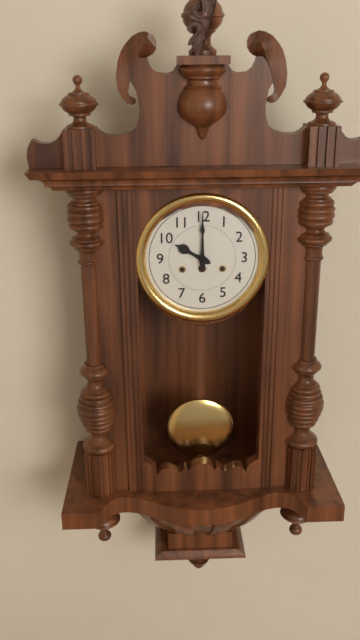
h=10 m=0
